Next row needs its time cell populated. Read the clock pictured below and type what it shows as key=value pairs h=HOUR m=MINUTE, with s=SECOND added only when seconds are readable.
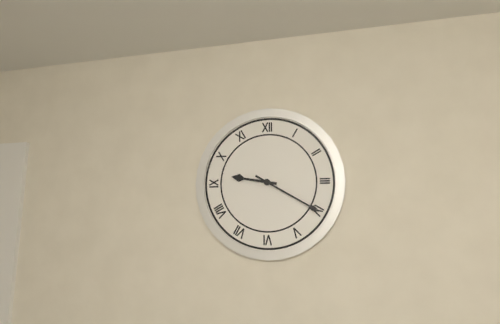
h=9 m=20
